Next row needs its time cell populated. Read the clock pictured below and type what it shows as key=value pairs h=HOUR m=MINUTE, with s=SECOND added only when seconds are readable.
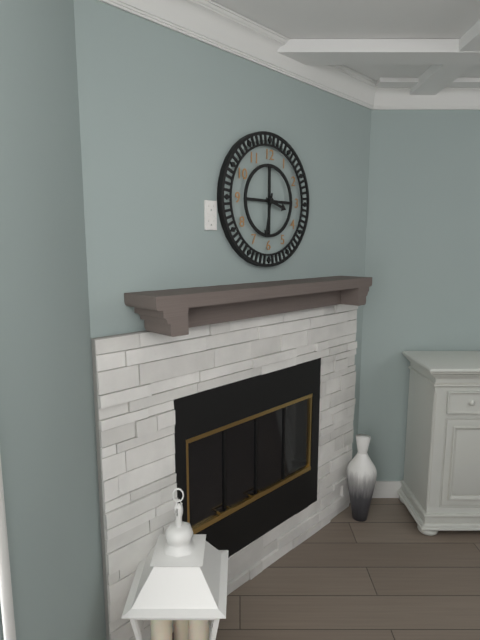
h=3 m=32
